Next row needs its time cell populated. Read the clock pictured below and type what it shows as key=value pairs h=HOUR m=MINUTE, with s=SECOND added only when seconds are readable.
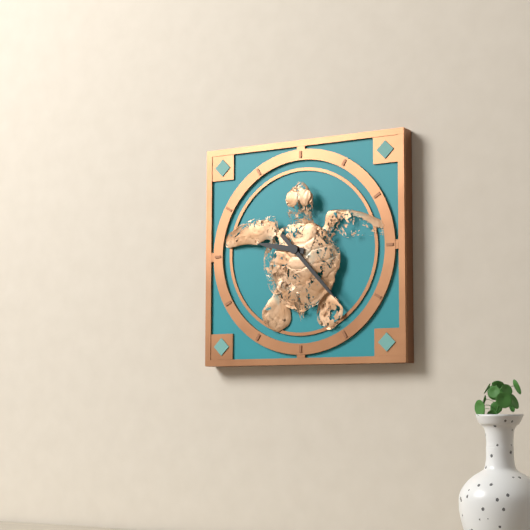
h=9 m=23
